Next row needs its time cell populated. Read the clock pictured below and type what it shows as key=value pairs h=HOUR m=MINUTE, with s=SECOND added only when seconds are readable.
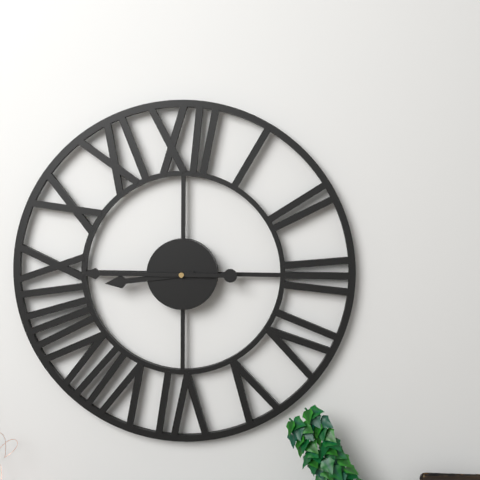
h=8 m=45
